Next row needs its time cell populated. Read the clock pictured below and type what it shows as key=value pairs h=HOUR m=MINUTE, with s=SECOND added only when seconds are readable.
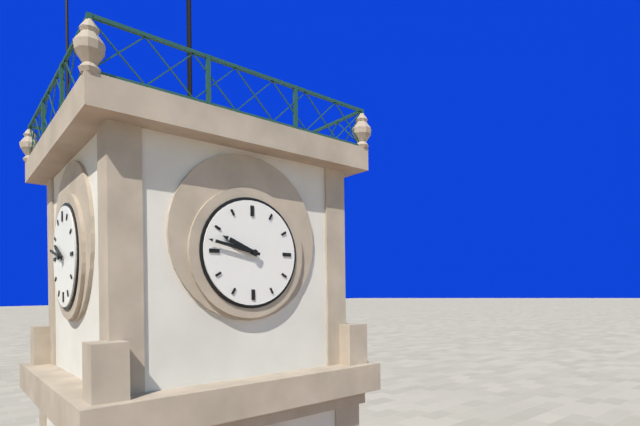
h=9 m=47
